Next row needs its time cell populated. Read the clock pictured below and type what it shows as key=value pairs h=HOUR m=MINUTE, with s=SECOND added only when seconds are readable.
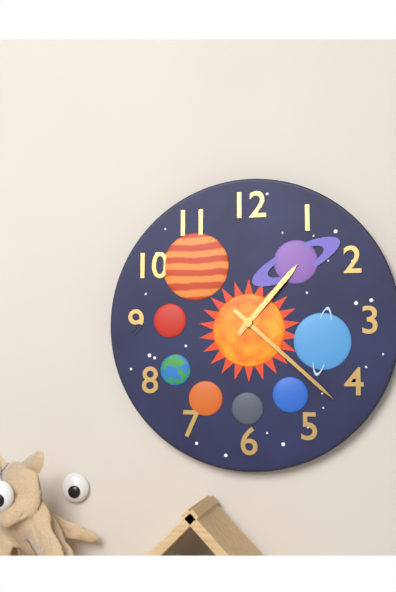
h=1 m=22
